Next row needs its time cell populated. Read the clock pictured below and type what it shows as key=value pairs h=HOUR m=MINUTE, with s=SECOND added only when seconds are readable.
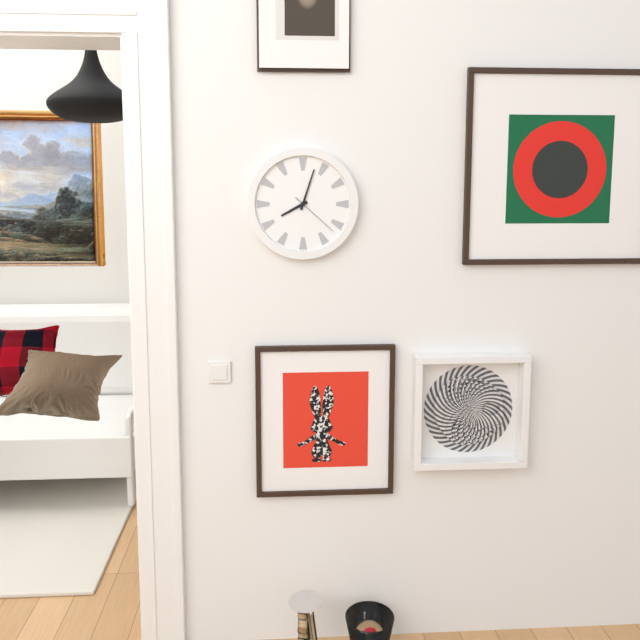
h=8 m=3 s=22
